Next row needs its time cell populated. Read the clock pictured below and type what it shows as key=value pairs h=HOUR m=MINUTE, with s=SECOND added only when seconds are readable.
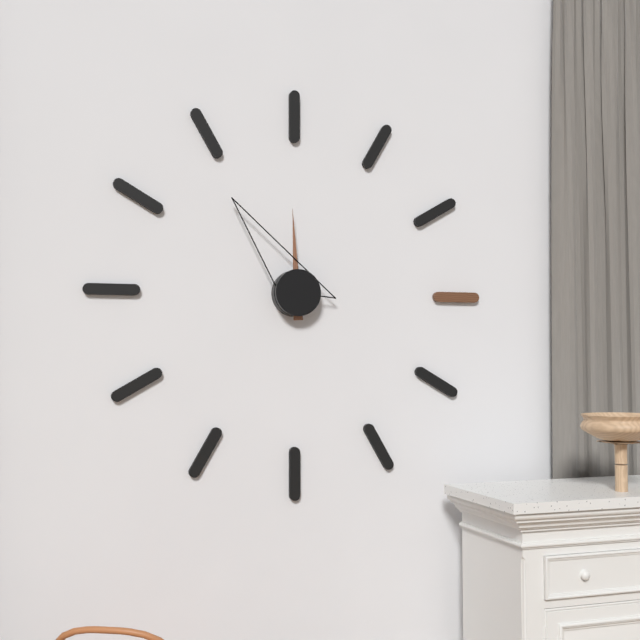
h=11 m=54
